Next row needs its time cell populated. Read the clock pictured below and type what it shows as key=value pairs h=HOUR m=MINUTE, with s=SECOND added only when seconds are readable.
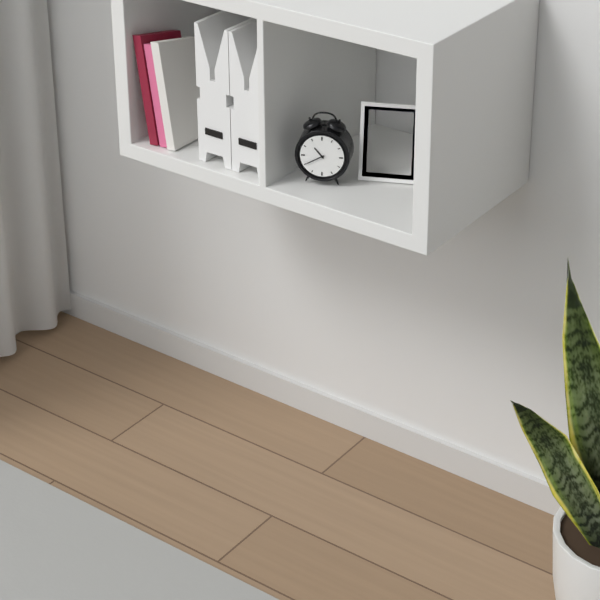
h=10 m=40
